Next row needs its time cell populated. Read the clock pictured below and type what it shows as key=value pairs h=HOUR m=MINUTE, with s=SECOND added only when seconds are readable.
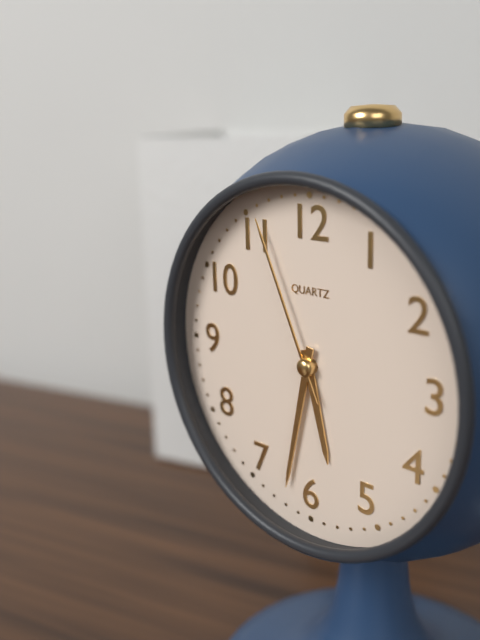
h=5 m=32 s=56
